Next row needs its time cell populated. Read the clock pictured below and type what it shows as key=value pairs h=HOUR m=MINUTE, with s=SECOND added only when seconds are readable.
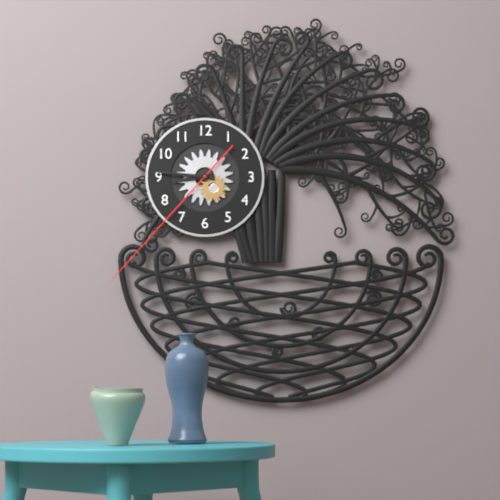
h=8 m=46 s=37
